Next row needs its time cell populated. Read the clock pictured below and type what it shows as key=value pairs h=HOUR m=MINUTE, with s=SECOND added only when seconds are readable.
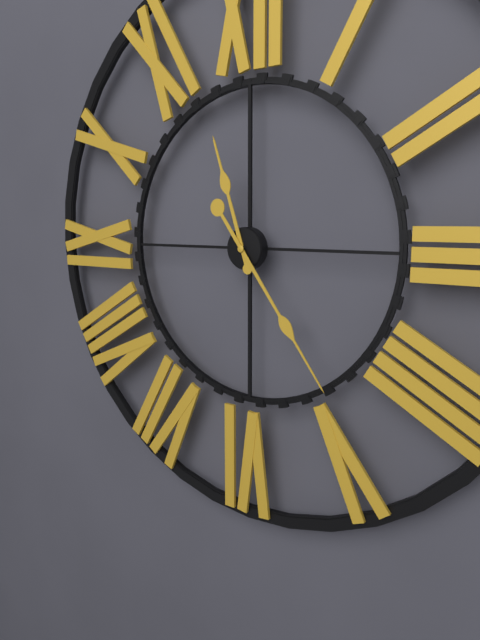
h=11 m=24
